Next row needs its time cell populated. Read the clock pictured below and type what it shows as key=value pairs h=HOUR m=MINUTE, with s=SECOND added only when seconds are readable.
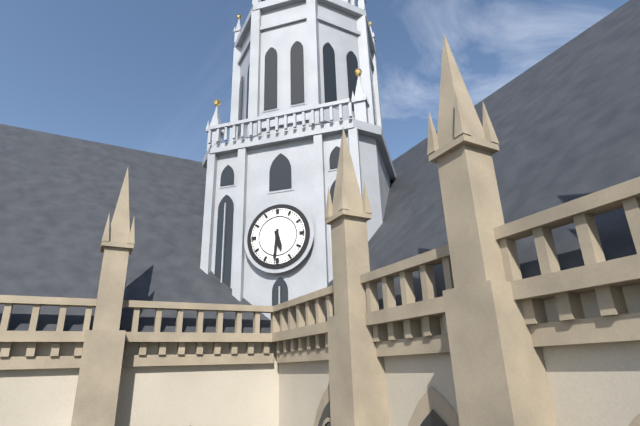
h=5 m=31
